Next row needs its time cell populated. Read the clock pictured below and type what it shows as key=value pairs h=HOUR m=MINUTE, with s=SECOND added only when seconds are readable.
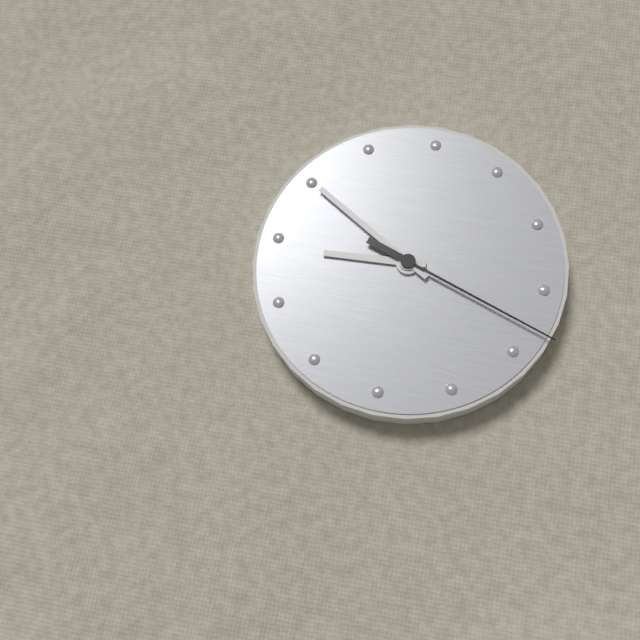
h=8 m=50 s=18
